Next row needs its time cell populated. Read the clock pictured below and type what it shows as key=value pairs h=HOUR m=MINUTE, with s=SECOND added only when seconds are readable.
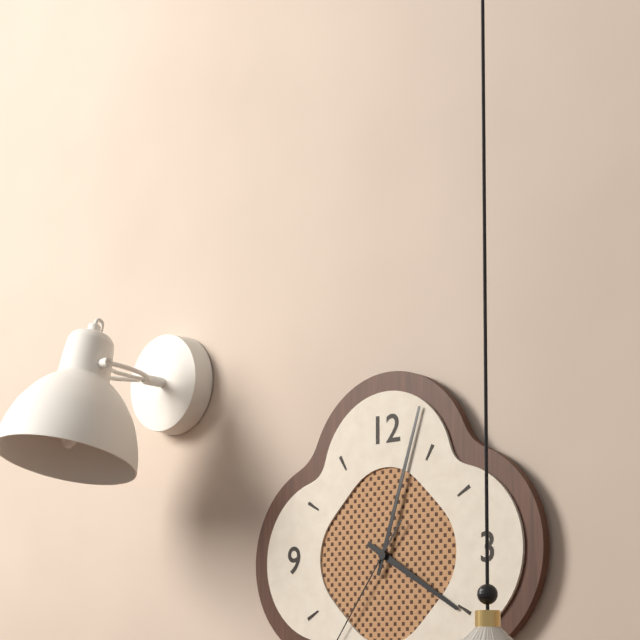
h=4 m=3
